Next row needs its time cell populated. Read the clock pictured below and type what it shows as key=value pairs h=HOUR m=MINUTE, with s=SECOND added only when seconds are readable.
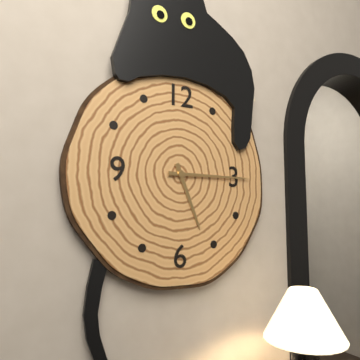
h=5 m=15
